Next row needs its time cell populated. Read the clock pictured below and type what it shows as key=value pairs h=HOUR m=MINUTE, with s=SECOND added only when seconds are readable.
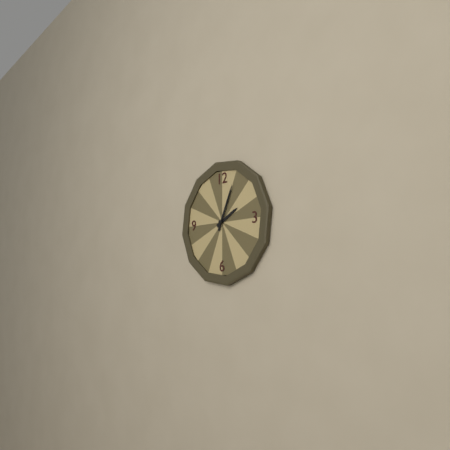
h=2 m=4
